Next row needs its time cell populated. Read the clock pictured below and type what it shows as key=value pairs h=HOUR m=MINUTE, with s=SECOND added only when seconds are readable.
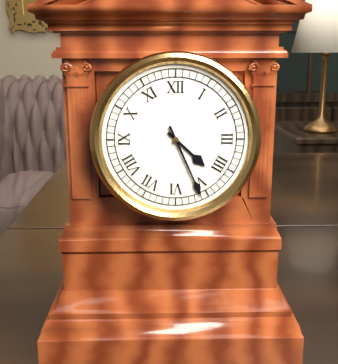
h=4 m=26
